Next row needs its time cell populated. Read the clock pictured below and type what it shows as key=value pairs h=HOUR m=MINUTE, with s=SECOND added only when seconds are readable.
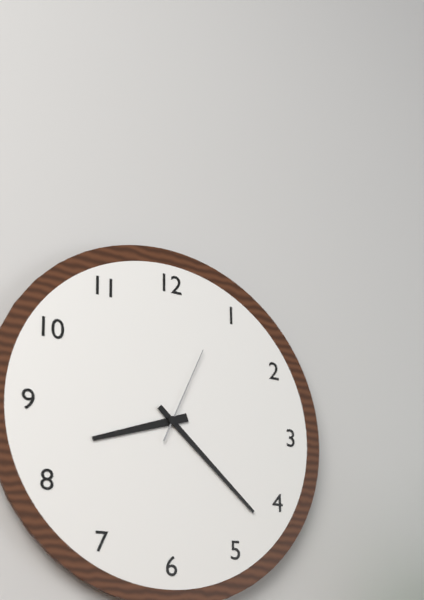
h=8 m=22 s=4
